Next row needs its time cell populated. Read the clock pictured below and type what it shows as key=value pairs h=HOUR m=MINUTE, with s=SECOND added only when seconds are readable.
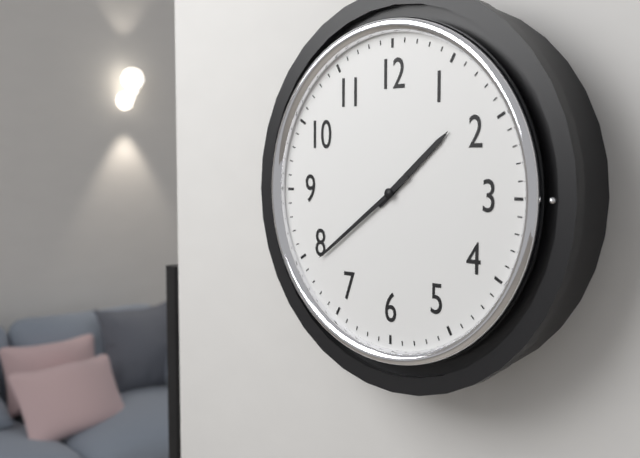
h=1 m=39
